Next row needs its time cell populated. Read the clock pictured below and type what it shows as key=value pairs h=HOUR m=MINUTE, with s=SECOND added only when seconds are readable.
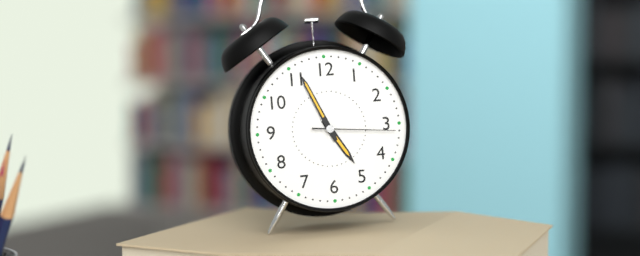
h=4 m=56 s=16
